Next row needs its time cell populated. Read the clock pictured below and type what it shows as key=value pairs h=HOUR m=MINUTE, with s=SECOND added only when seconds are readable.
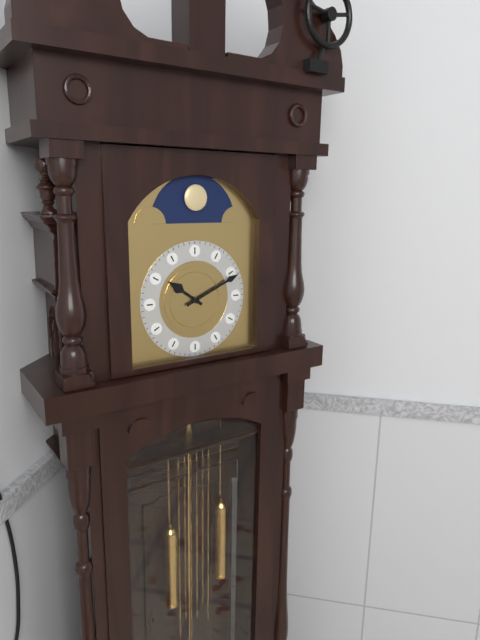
h=10 m=11
